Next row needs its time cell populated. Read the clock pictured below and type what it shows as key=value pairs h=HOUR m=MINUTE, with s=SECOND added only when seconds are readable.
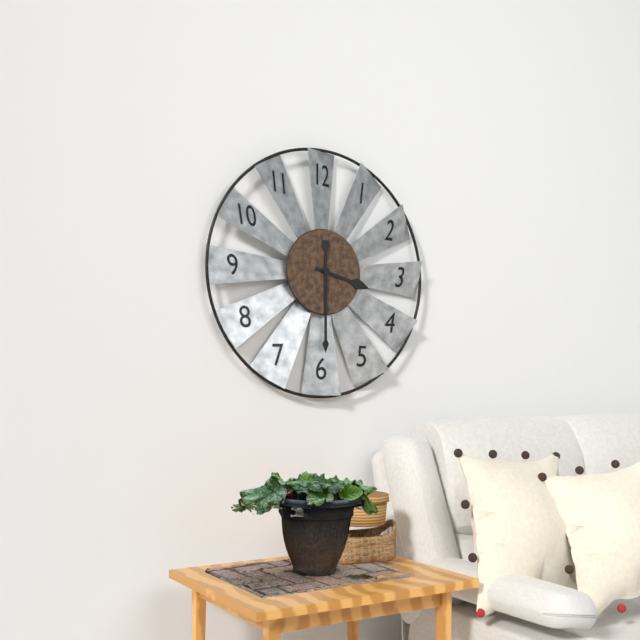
h=3 m=30
